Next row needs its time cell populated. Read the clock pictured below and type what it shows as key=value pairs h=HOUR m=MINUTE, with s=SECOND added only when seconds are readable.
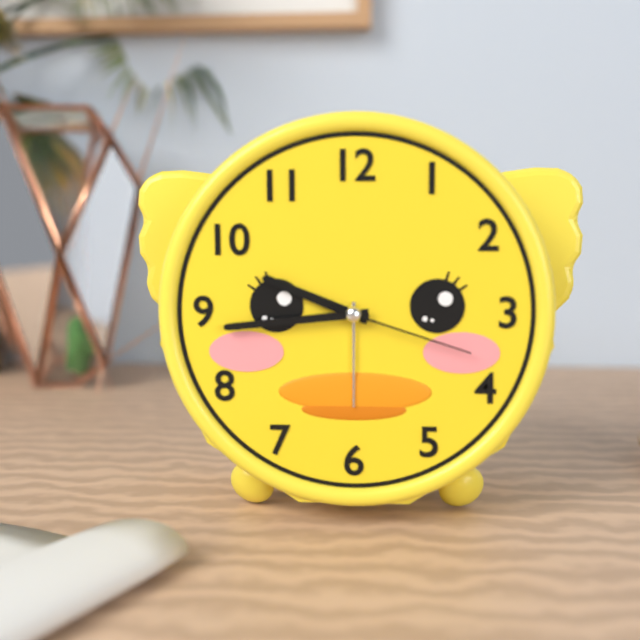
h=9 m=44 s=18
